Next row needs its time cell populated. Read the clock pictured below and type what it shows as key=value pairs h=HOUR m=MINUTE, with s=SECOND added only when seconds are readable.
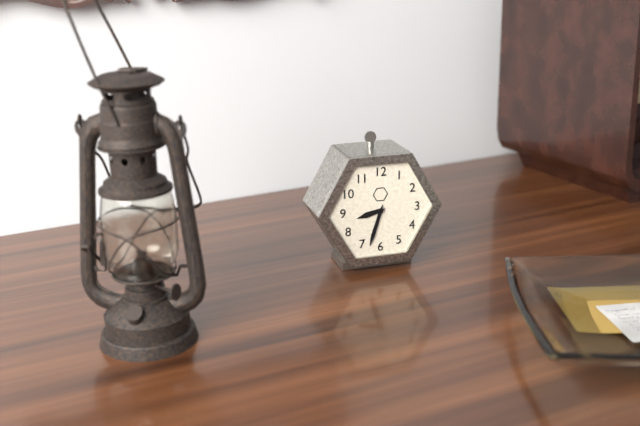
h=8 m=33
